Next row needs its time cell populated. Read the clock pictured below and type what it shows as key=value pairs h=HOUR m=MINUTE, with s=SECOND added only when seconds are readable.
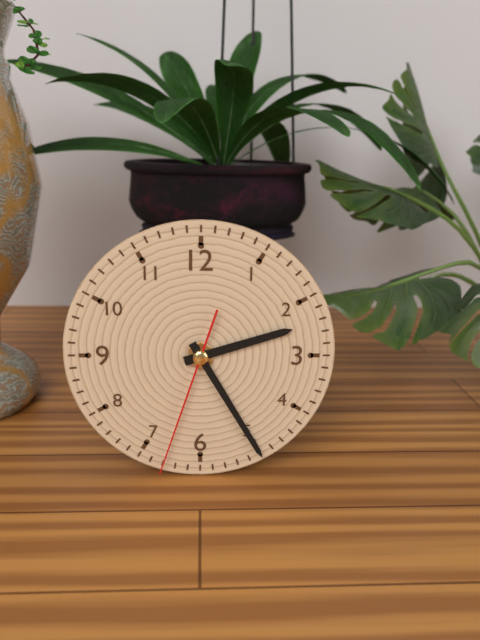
h=2 m=25 s=33
